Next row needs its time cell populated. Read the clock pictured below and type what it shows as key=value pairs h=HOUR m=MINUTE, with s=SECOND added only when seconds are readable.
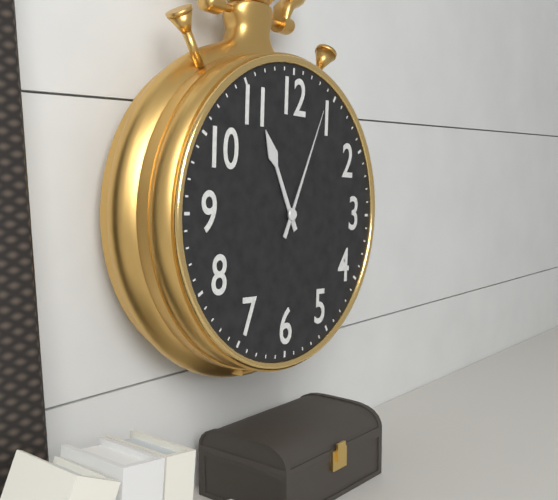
h=11 m=4
